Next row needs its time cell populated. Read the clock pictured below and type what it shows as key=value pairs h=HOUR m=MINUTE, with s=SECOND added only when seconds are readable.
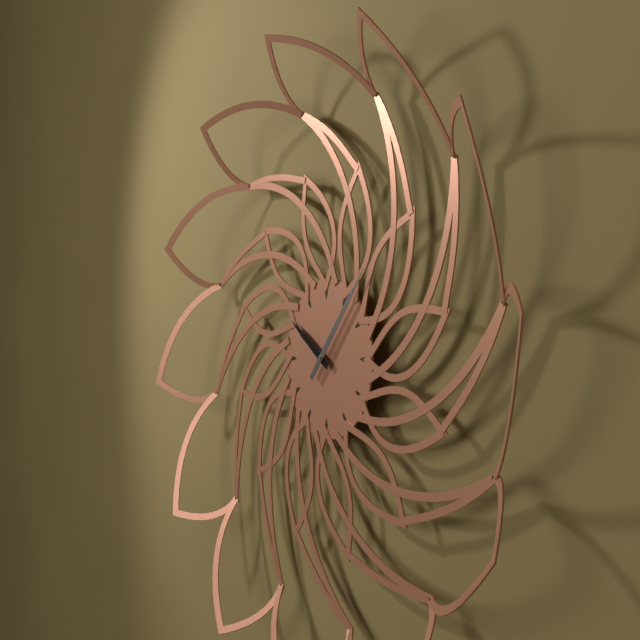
h=10 m=7
